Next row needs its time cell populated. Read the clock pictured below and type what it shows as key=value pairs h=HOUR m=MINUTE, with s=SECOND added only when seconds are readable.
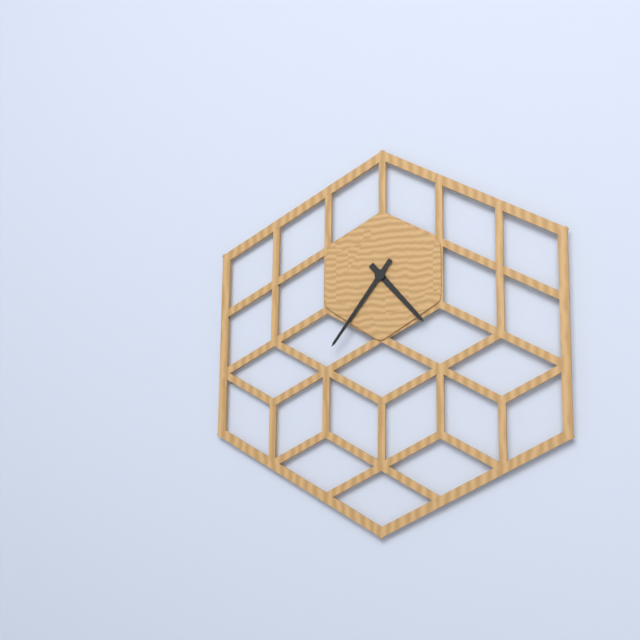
h=4 m=36
